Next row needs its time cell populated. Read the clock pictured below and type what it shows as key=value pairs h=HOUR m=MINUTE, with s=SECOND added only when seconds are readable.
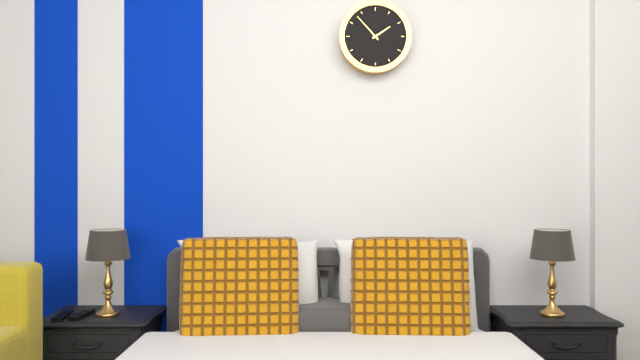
h=1 m=53
